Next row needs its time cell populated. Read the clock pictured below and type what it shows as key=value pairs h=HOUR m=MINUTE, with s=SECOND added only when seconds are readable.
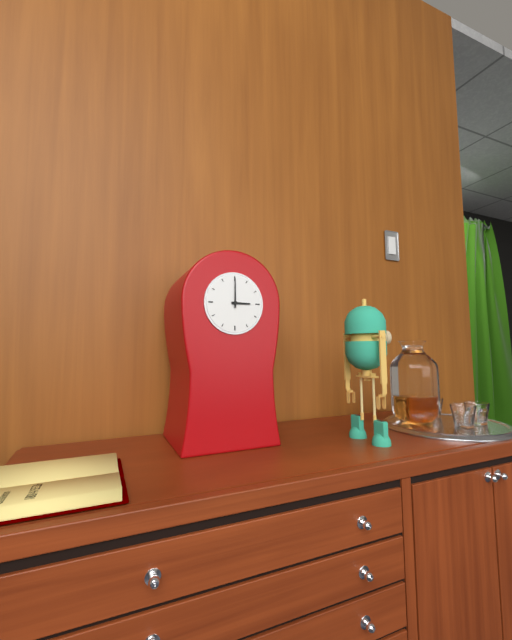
h=3 m=0
